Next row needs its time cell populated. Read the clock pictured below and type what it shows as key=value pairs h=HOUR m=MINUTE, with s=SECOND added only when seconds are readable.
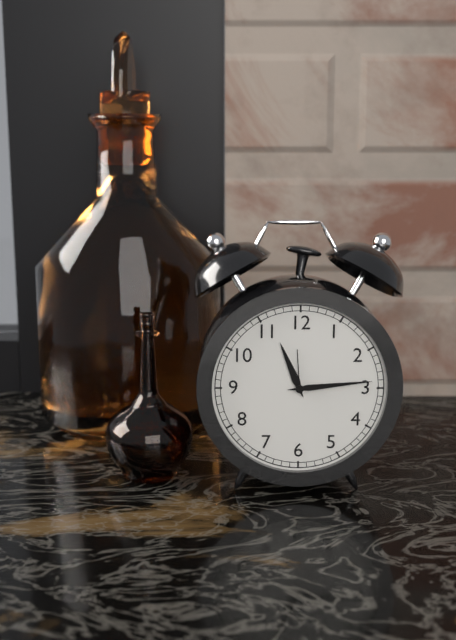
h=11 m=14
